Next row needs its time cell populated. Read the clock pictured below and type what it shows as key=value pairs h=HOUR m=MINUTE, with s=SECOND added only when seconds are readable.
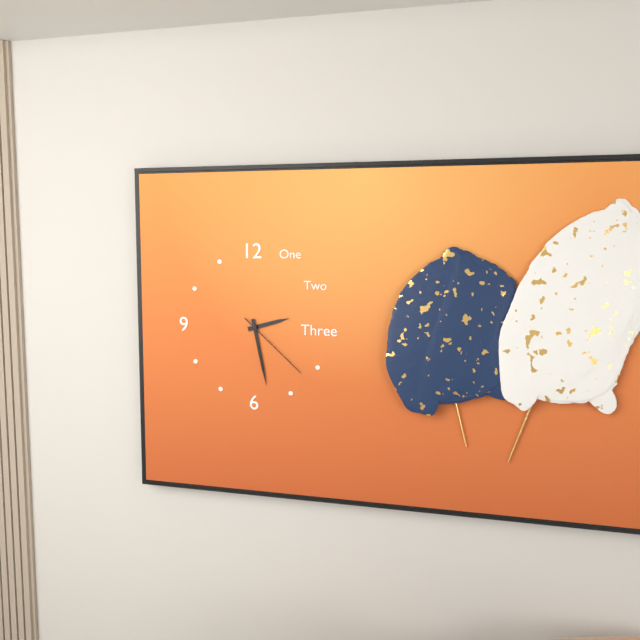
h=2 m=28 s=22
